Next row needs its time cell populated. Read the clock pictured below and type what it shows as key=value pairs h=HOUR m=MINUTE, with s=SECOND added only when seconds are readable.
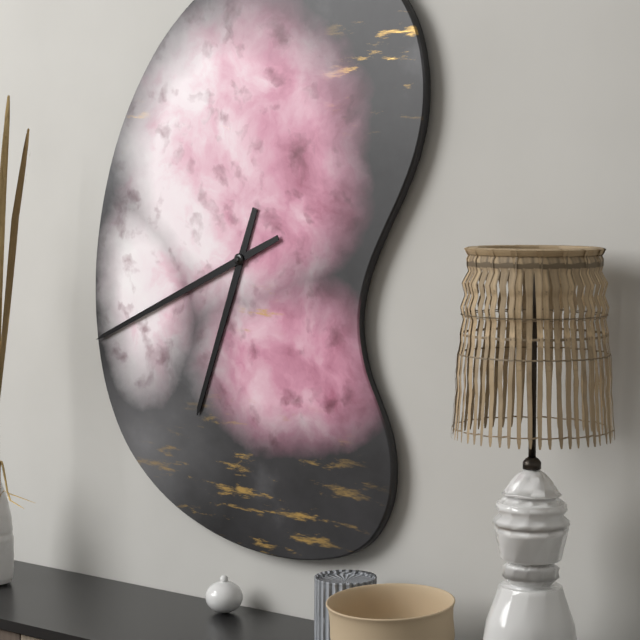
h=6 m=41
